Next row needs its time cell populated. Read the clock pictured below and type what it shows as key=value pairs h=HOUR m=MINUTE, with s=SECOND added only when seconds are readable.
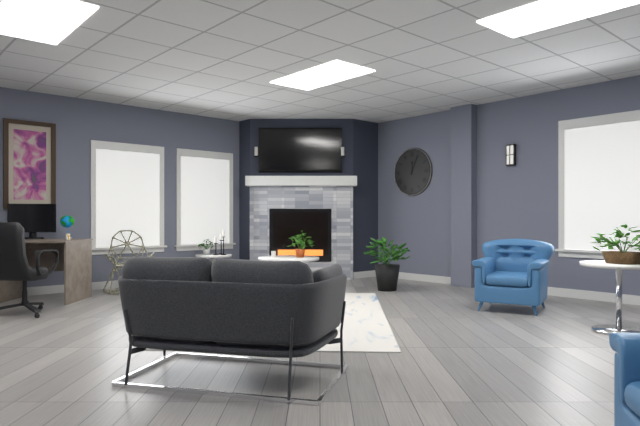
h=12 m=4
